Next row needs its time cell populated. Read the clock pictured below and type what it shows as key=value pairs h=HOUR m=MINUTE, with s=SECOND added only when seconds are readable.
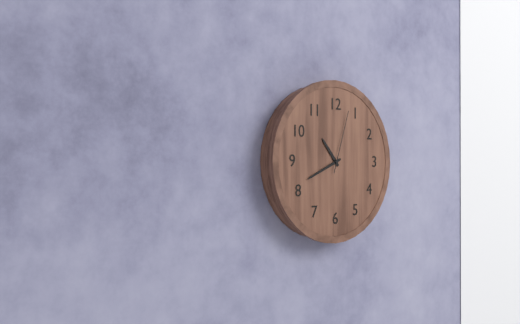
h=10 m=41 s=3
